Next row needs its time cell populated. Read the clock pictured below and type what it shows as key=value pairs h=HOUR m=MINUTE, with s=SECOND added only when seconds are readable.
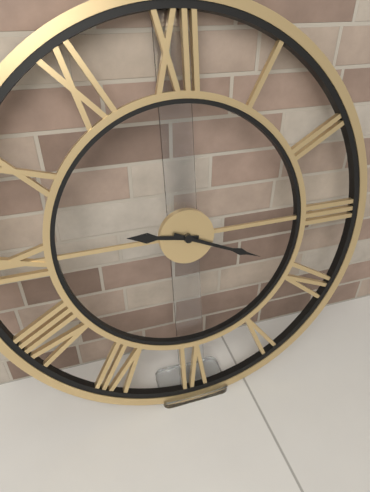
h=9 m=19
